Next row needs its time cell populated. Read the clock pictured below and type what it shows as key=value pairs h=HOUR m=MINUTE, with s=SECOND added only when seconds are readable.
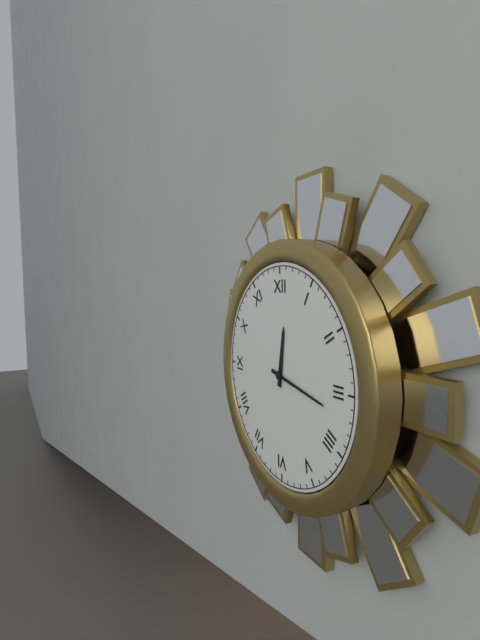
h=12 m=17
